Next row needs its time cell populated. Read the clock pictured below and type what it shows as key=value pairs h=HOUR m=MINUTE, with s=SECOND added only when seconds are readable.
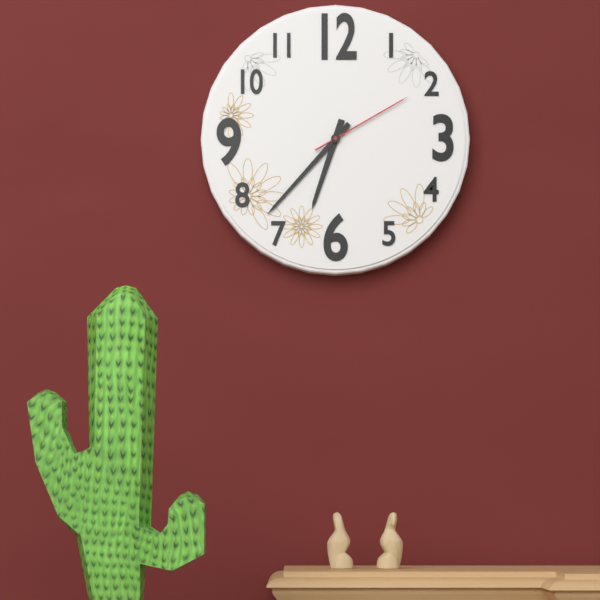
h=6 m=37 s=10
